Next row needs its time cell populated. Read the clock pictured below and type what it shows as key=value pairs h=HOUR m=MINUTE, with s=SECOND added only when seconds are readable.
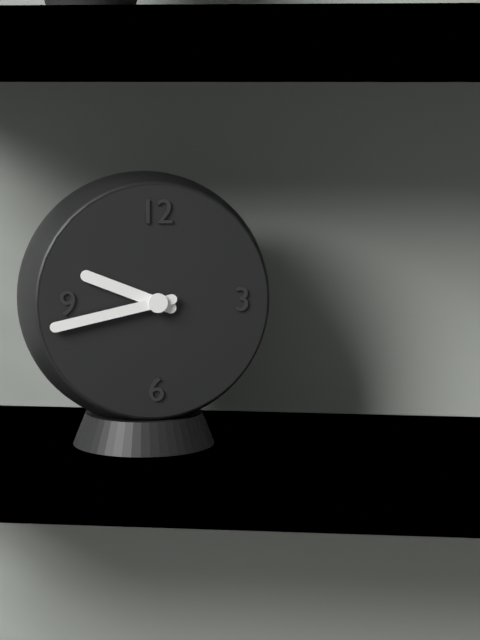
h=9 m=43
